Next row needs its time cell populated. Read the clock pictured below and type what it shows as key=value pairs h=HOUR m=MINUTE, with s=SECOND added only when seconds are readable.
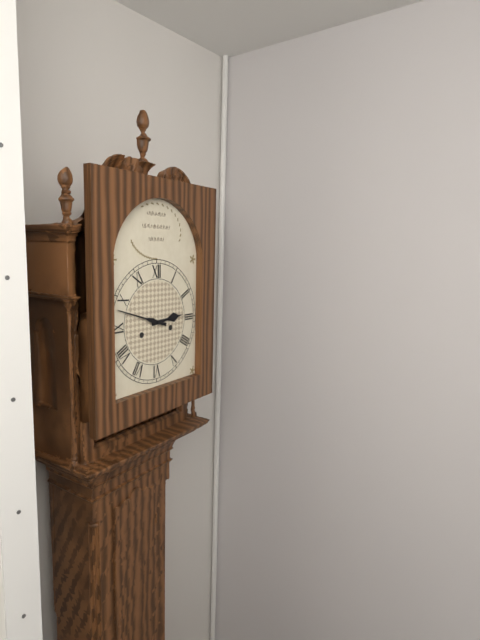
h=2 m=48
